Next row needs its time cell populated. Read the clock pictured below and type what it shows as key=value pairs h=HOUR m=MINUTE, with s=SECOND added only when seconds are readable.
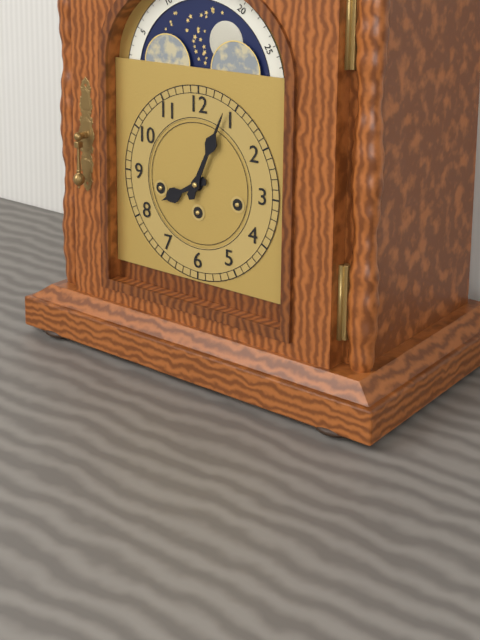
h=8 m=4
